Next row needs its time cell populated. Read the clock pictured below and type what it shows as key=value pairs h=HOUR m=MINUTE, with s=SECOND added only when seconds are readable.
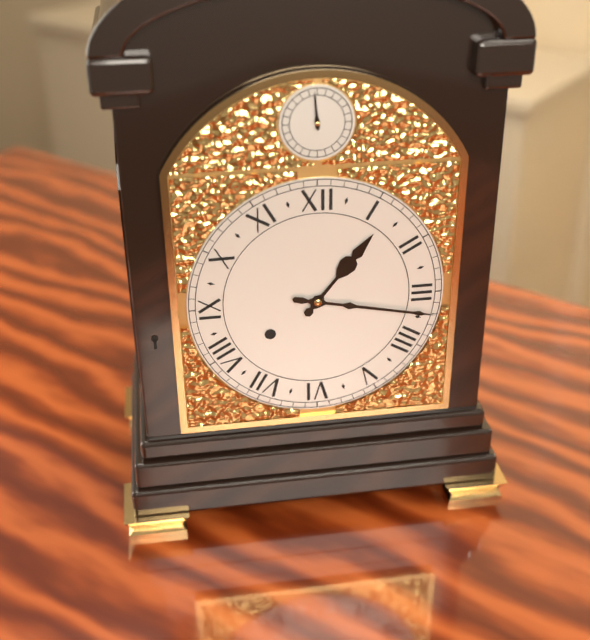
h=1 m=17
